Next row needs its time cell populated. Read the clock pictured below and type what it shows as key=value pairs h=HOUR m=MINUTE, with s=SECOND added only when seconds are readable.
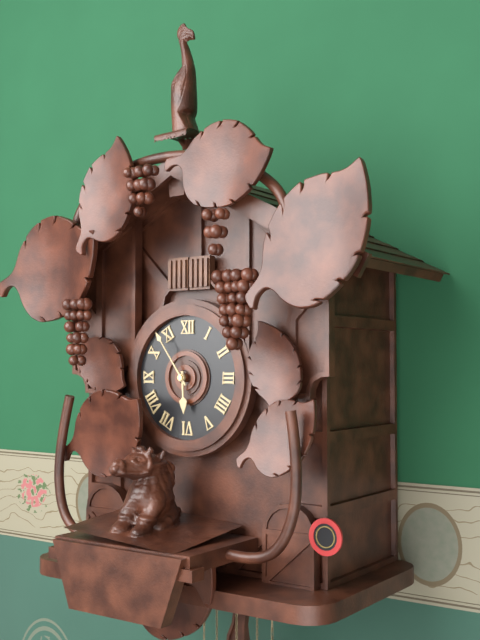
h=5 m=54
